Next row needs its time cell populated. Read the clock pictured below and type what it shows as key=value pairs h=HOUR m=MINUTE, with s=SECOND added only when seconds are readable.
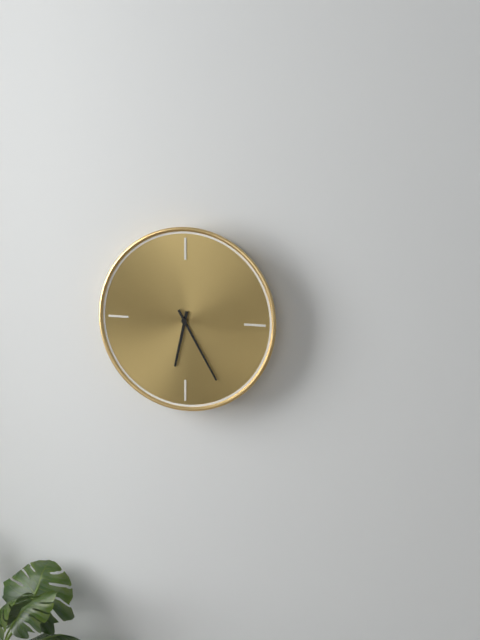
h=6 m=25
